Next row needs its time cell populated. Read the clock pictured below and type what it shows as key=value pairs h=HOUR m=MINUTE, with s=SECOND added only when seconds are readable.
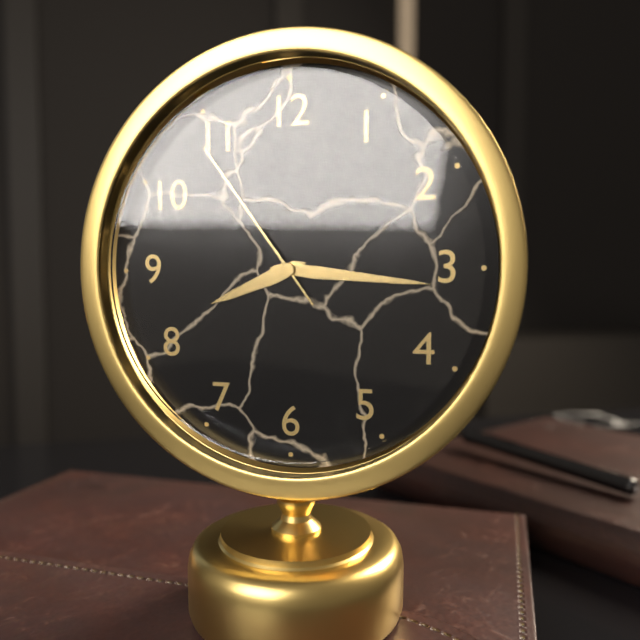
h=8 m=16 s=54
